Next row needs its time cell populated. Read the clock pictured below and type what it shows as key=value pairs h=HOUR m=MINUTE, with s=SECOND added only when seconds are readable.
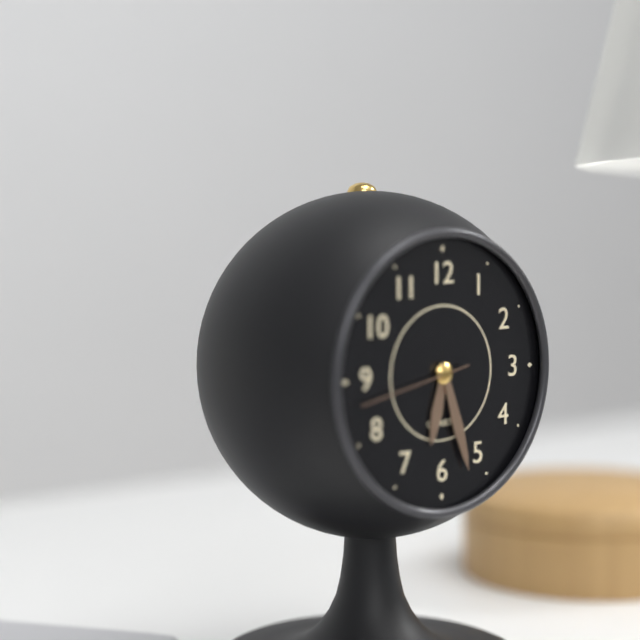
h=6 m=27 s=43
